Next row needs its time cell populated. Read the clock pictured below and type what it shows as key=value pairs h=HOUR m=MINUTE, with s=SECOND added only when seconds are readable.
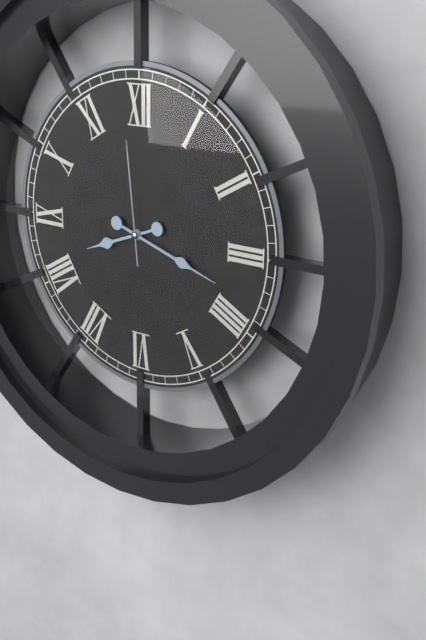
h=8 m=18 s=59
